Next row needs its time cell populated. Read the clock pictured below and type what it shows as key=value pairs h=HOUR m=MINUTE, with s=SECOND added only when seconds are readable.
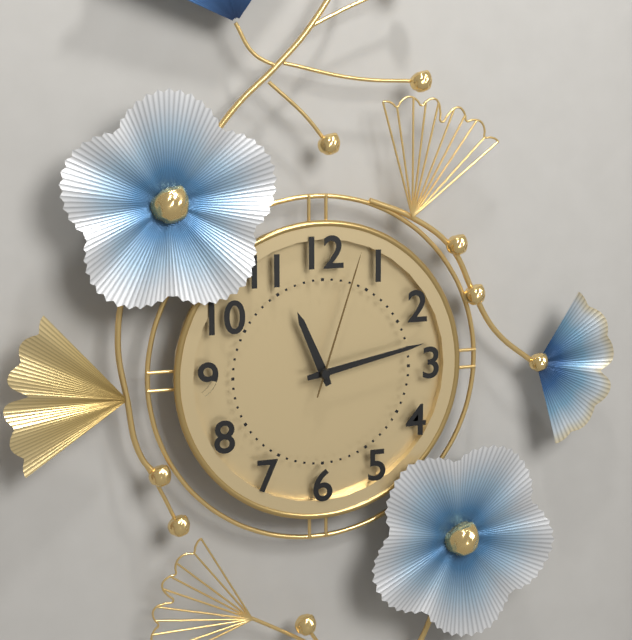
h=11 m=13 s=3
